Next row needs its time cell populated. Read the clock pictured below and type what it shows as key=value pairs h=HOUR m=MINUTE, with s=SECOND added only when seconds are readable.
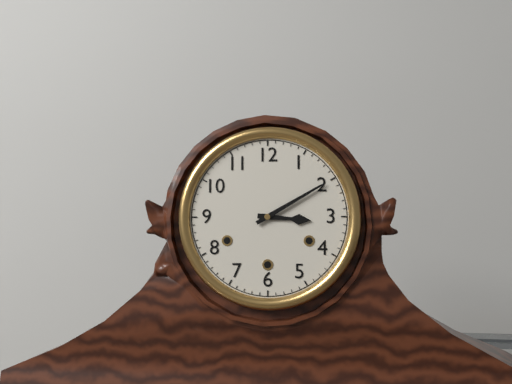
h=3 m=10
